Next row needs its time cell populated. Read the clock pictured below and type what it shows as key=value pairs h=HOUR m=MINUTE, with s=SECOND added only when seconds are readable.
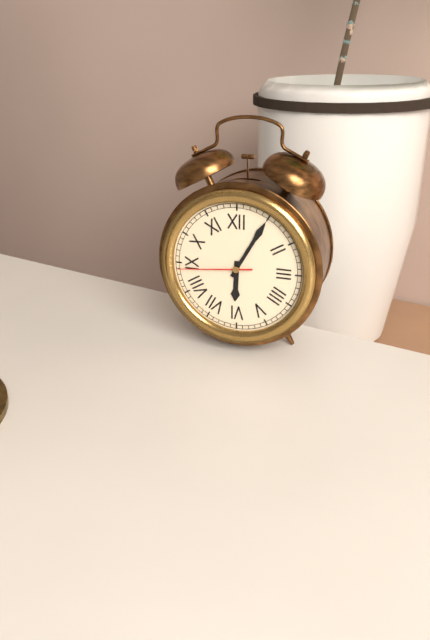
h=6 m=5 s=44
